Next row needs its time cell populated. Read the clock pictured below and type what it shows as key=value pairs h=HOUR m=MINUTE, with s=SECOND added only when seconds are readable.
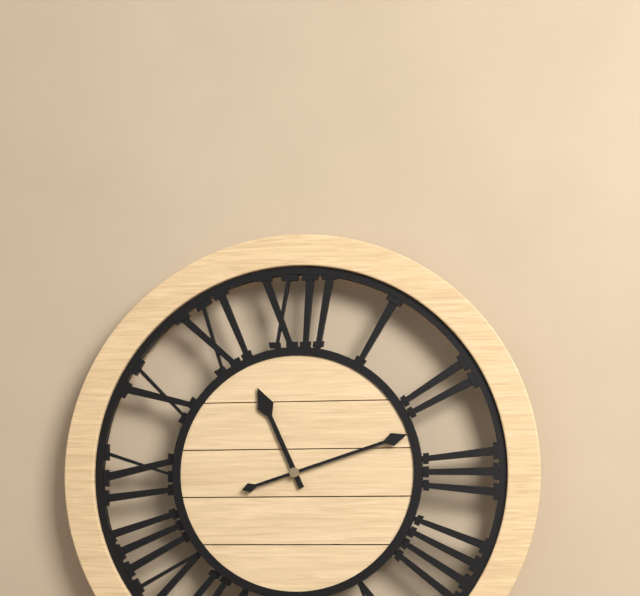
h=11 m=12
